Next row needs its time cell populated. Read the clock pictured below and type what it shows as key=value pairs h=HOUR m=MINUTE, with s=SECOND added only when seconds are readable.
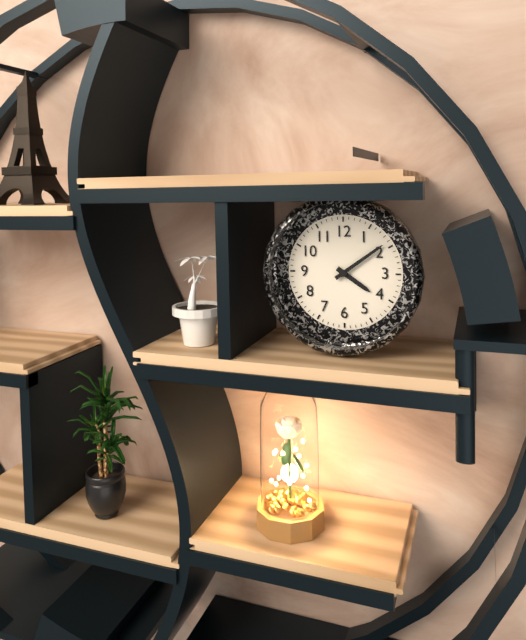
h=4 m=9
